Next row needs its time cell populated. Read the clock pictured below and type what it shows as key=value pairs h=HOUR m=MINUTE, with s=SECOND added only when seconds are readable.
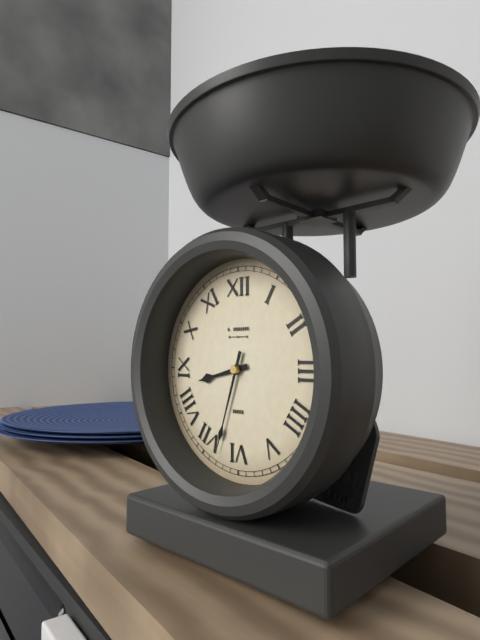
h=8 m=33
